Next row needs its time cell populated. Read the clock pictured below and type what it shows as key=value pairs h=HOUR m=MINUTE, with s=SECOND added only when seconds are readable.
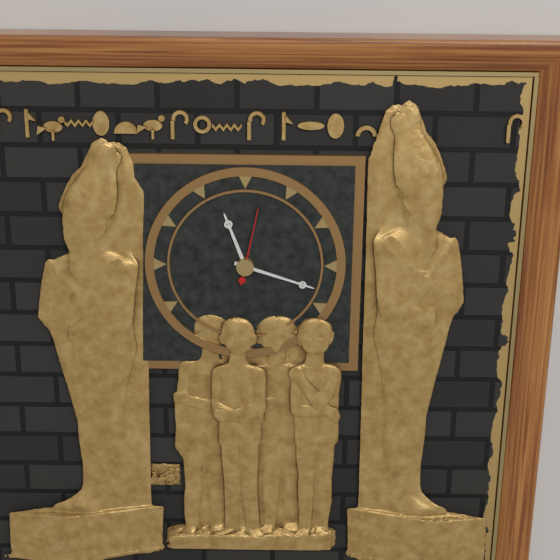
h=11 m=18 s=2
